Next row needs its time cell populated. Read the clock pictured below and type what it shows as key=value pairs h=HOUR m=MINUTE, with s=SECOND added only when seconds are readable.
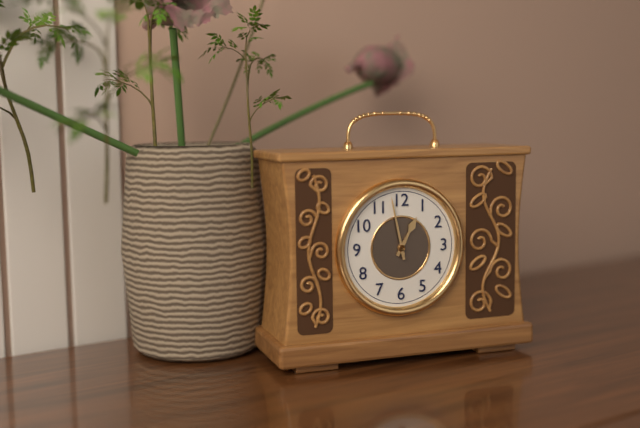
h=12 m=58
